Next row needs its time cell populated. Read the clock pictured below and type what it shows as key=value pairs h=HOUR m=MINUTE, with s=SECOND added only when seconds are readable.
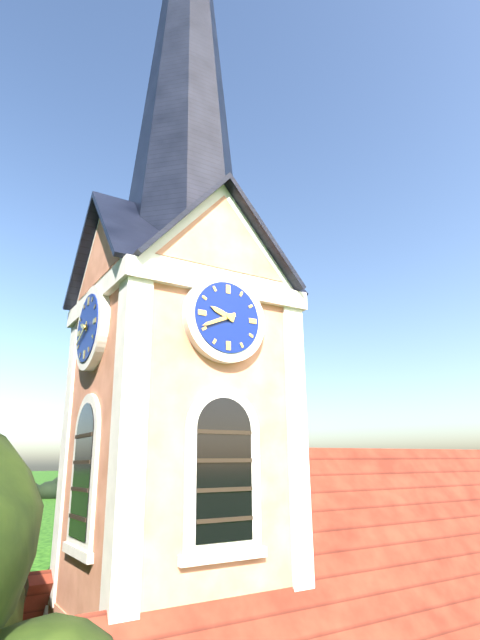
h=9 m=41
